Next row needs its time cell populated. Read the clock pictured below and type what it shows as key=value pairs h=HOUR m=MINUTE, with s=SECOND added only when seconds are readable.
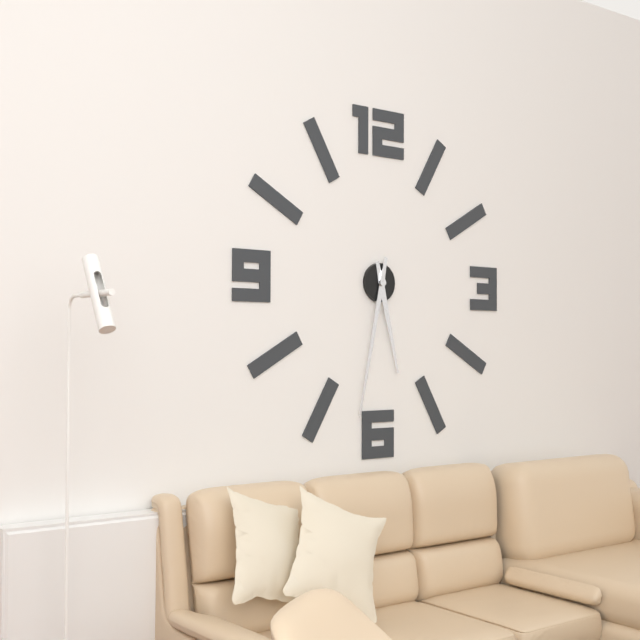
h=5 m=32
